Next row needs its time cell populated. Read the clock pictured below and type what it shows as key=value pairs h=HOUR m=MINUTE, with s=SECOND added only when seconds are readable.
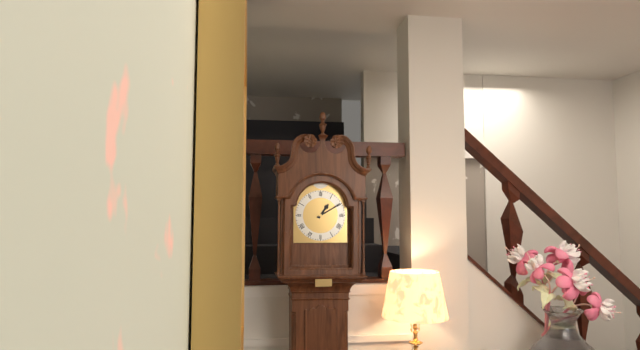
h=1 m=10
